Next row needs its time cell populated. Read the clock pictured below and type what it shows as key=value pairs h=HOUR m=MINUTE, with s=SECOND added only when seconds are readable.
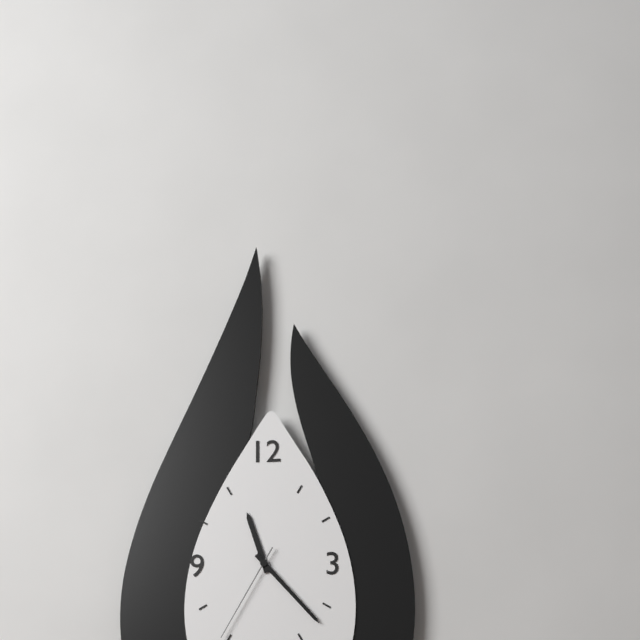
h=11 m=23 s=35
